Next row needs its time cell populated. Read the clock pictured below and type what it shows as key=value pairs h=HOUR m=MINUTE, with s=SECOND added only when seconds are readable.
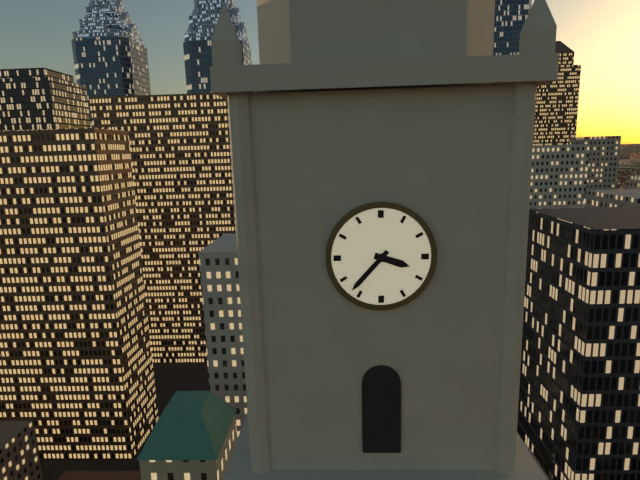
h=3 m=37
